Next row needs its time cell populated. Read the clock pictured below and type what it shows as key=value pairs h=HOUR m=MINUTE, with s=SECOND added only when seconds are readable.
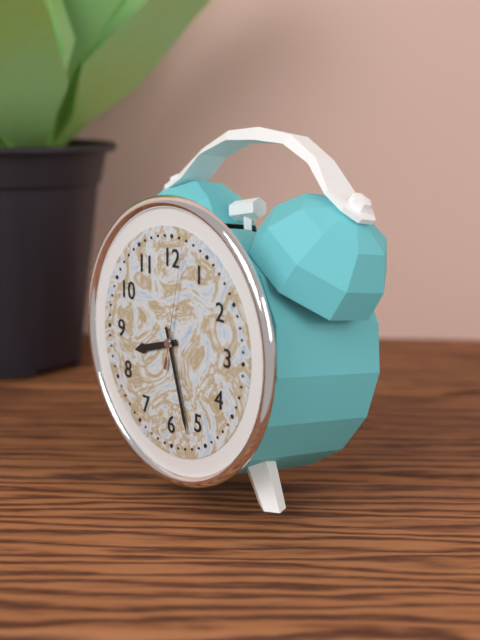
h=8 m=27 s=2
